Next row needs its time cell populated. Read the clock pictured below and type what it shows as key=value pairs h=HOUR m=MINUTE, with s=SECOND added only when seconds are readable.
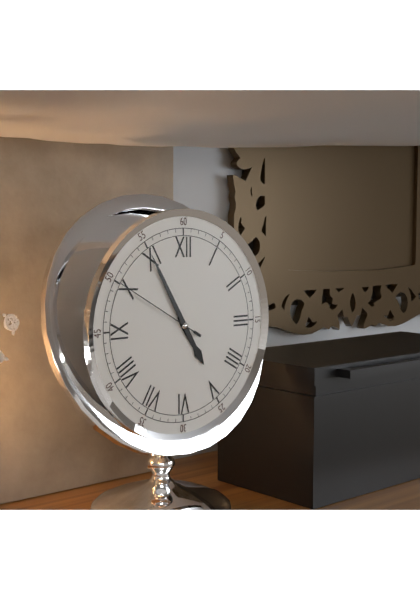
h=4 m=55 s=50
